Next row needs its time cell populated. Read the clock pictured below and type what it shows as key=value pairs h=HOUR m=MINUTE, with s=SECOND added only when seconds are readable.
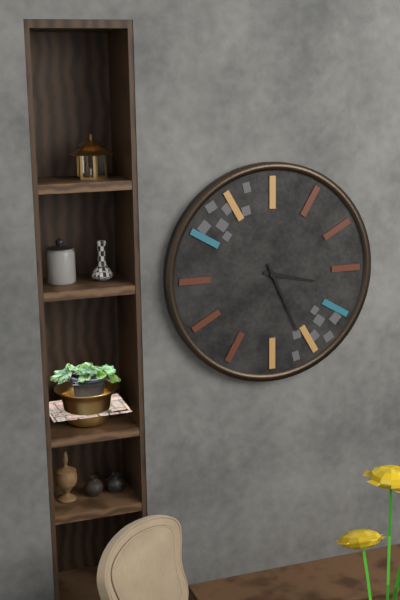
h=3 m=26
